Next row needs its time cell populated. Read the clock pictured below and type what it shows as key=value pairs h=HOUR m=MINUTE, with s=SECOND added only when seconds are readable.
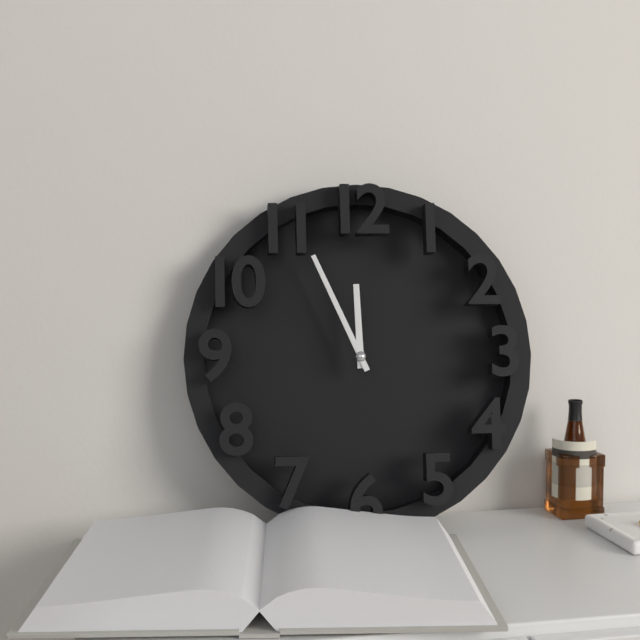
h=11 m=56
